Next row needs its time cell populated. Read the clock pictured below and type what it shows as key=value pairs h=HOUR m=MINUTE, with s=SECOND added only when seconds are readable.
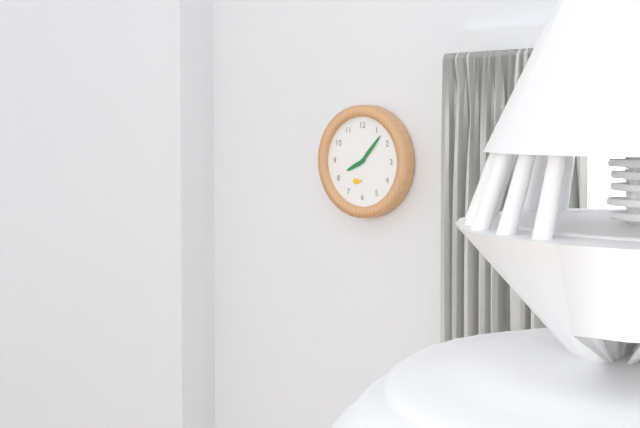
h=8 m=7
